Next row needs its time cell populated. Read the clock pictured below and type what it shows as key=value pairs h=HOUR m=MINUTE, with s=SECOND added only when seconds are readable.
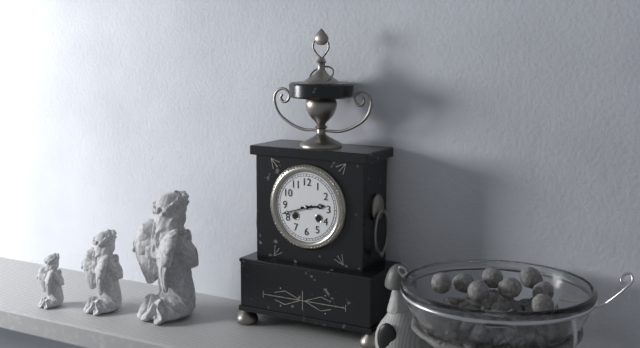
h=2 m=42
